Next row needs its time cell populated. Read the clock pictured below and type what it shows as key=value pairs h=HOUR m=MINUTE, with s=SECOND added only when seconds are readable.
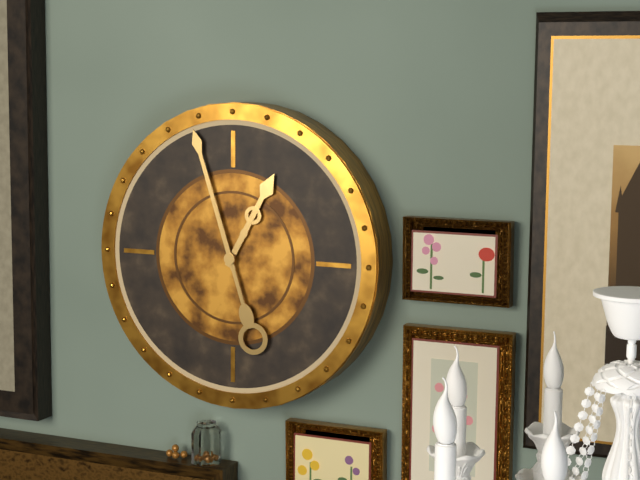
h=12 m=57
